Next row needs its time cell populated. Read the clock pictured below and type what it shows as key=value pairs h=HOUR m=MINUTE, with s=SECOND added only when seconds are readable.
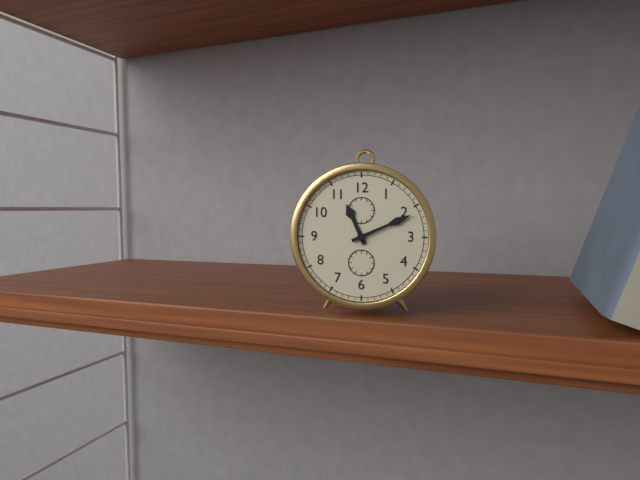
h=11 m=11
